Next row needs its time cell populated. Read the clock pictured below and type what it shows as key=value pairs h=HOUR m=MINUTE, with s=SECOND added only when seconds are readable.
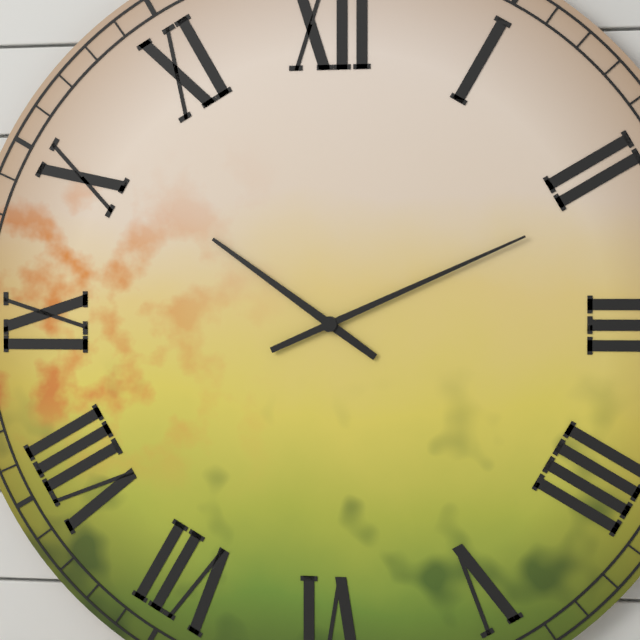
h=10 m=11
